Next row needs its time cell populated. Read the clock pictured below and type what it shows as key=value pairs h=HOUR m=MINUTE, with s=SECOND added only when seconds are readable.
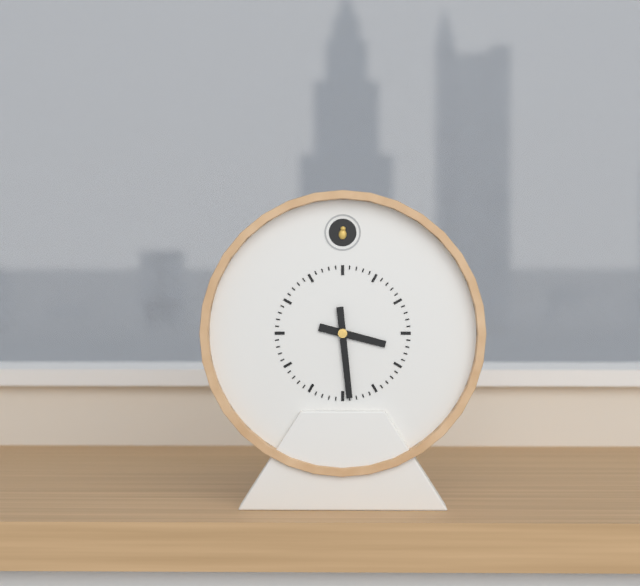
h=3 m=29
